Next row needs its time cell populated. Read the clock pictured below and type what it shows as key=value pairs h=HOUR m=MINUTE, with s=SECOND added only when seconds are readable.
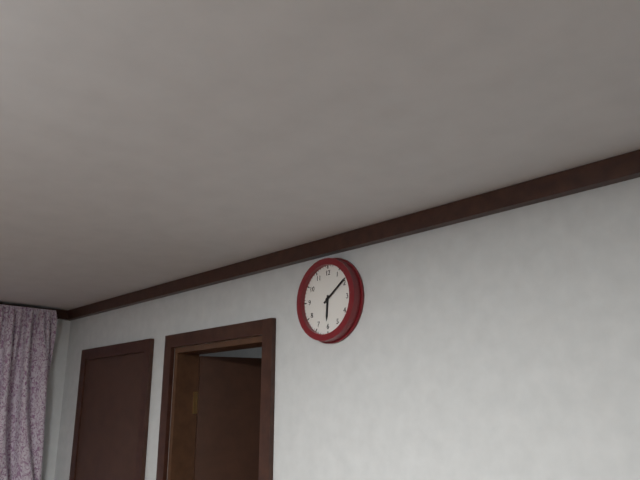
h=6 m=9
